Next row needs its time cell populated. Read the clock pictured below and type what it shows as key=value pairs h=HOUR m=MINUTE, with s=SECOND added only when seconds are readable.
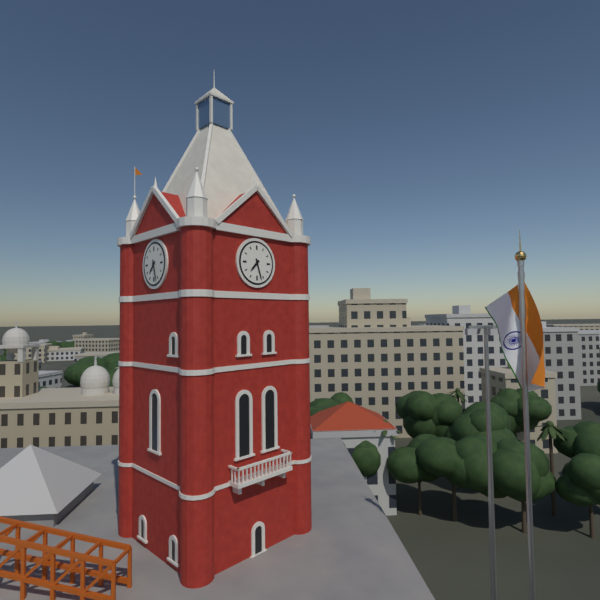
h=7 m=27
